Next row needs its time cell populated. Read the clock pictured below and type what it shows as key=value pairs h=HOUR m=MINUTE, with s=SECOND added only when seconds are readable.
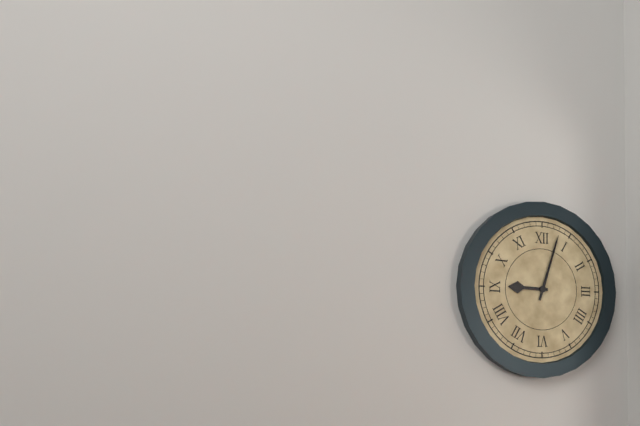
h=9 m=3
